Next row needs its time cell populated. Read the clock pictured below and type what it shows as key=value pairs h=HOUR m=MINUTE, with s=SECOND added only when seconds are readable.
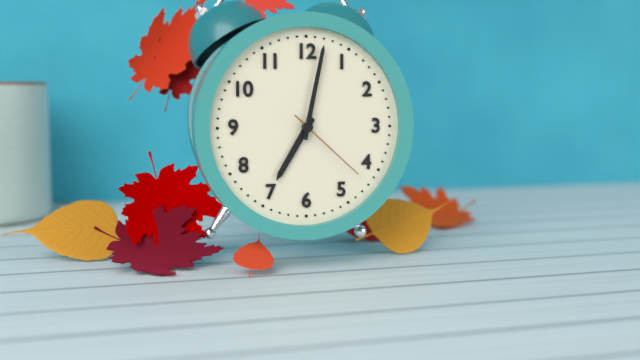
h=7 m=2 s=22
